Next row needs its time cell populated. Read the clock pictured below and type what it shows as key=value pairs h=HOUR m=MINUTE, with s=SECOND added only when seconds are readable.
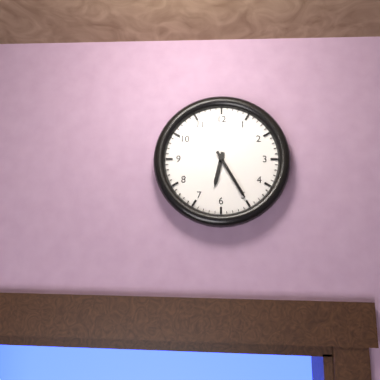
h=6 m=25
